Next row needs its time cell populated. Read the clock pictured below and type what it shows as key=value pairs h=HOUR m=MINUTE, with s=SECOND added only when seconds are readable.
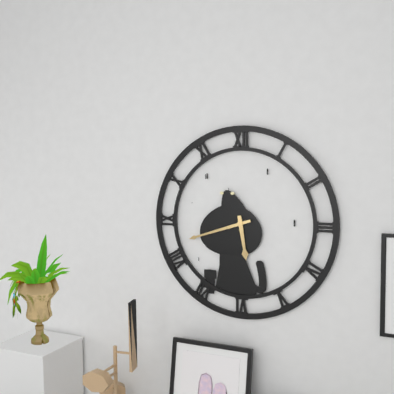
h=5 m=42
